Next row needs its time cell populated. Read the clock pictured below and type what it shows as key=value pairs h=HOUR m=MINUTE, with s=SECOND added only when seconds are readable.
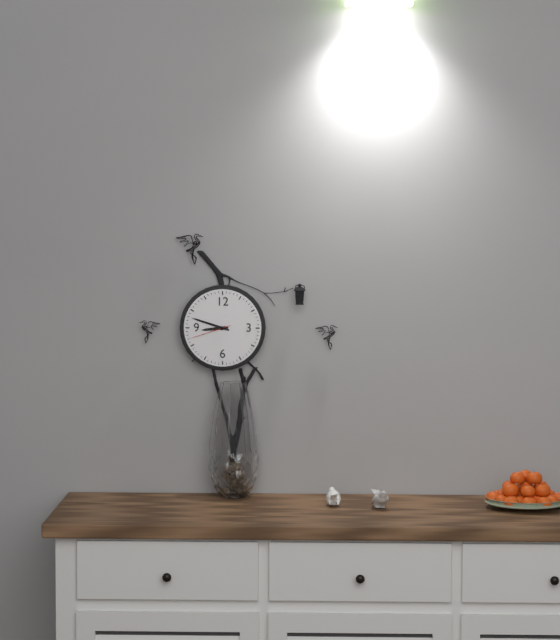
h=8 m=48
